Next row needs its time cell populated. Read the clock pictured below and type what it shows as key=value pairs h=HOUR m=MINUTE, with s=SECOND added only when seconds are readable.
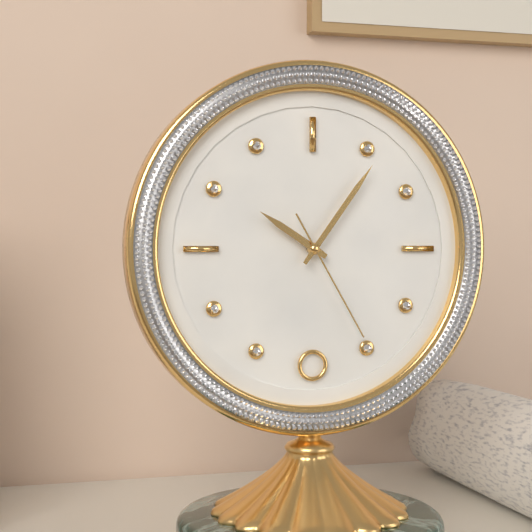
h=10 m=6 s=25
